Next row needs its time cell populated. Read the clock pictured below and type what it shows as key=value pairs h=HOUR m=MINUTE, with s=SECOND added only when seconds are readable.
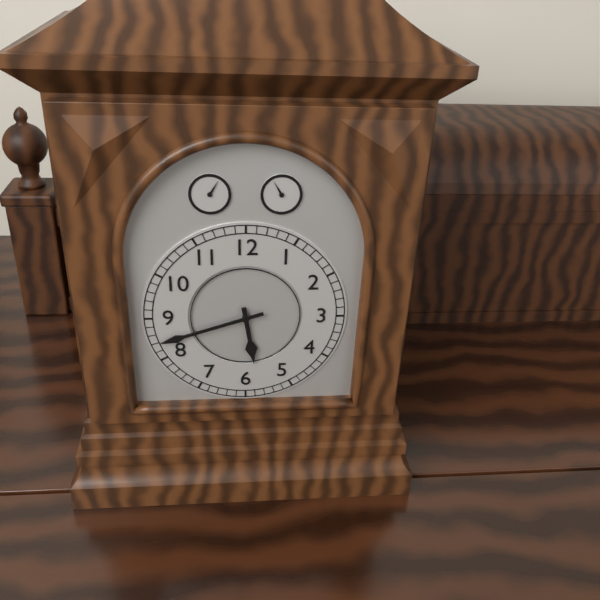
h=5 m=42
